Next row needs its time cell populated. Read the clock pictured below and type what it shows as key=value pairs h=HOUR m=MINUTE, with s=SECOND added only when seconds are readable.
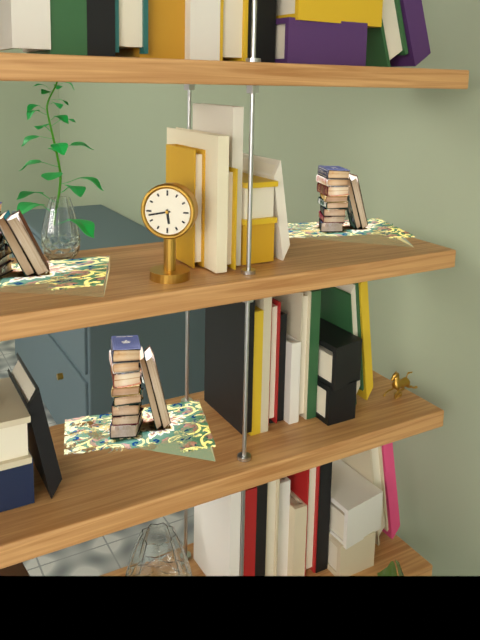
h=5 m=43
